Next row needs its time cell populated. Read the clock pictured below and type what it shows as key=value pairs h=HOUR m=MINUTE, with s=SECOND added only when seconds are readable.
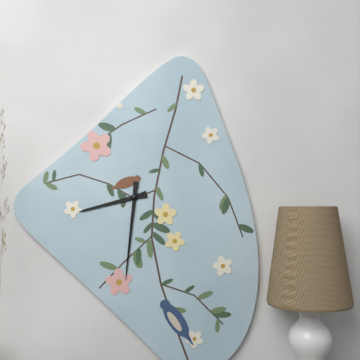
h=8 m=31
